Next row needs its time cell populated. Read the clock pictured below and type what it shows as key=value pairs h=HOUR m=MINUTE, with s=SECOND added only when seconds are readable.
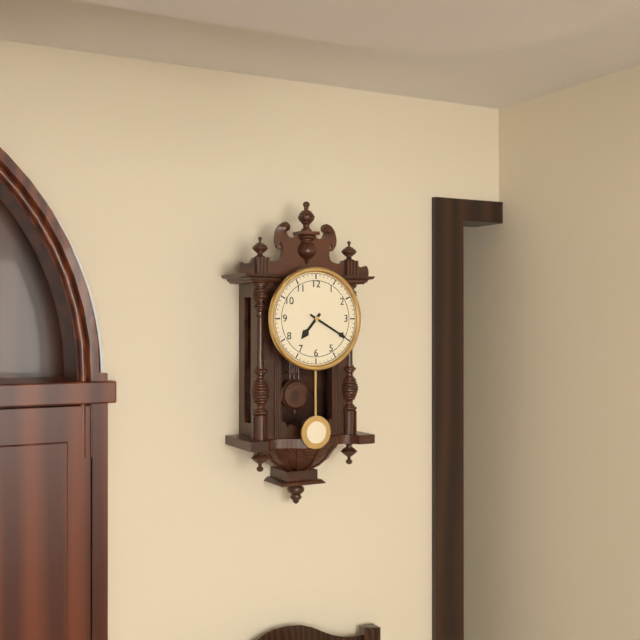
h=7 m=20
